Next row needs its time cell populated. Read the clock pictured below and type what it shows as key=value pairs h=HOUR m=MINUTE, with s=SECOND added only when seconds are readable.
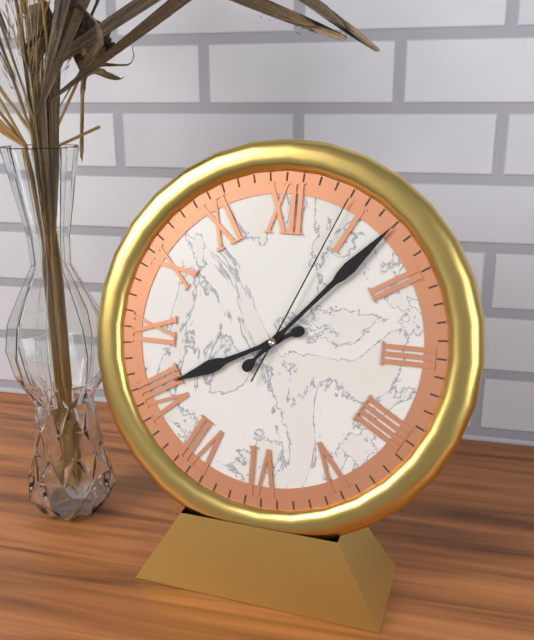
h=8 m=7 s=4
